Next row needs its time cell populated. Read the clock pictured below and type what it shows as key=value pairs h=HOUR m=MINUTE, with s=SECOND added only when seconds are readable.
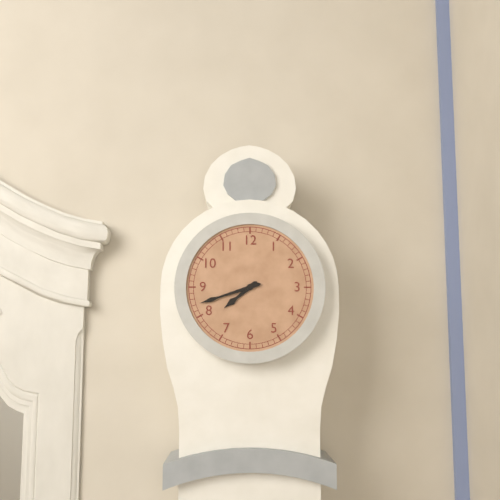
h=7 m=42
